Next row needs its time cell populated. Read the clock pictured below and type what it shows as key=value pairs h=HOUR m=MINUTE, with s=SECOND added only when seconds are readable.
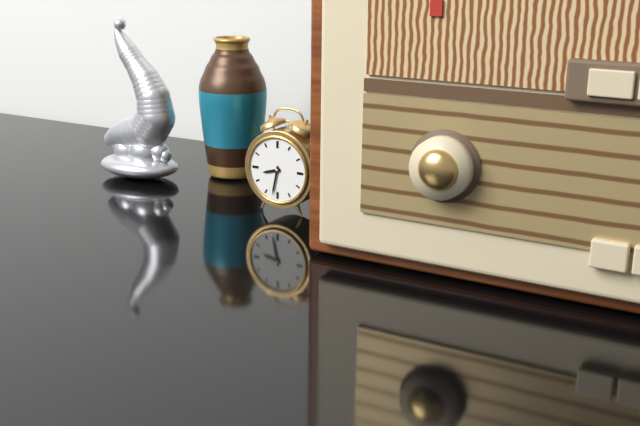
h=8 m=32
